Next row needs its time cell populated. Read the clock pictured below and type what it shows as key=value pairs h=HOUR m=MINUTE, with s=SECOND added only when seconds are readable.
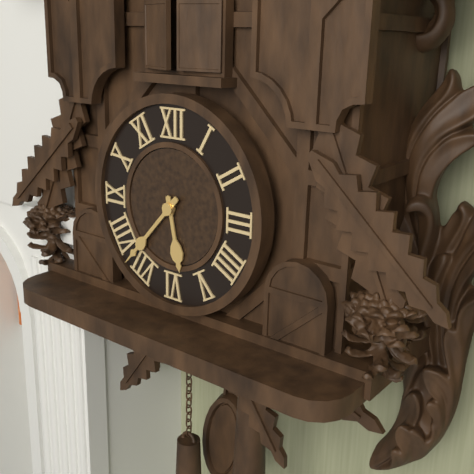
h=5 m=37
